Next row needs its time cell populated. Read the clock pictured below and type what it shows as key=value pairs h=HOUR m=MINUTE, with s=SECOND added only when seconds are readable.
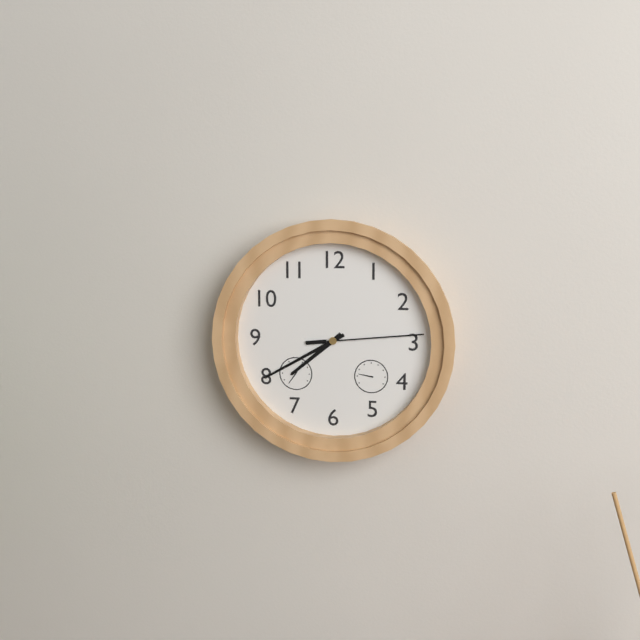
h=7 m=40 s=14
